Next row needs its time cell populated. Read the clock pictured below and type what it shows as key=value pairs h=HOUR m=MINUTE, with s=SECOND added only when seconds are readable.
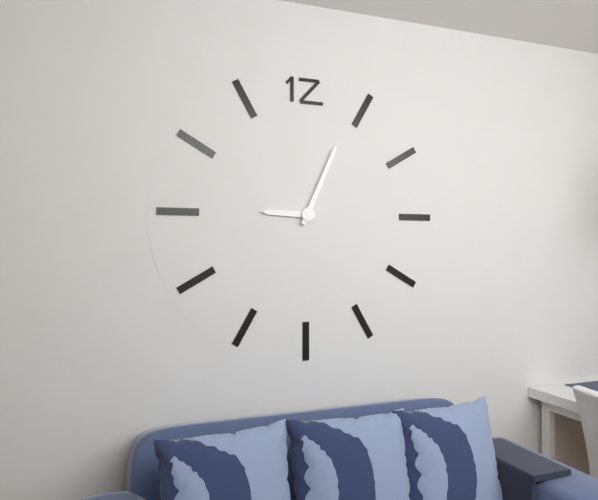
h=9 m=4
